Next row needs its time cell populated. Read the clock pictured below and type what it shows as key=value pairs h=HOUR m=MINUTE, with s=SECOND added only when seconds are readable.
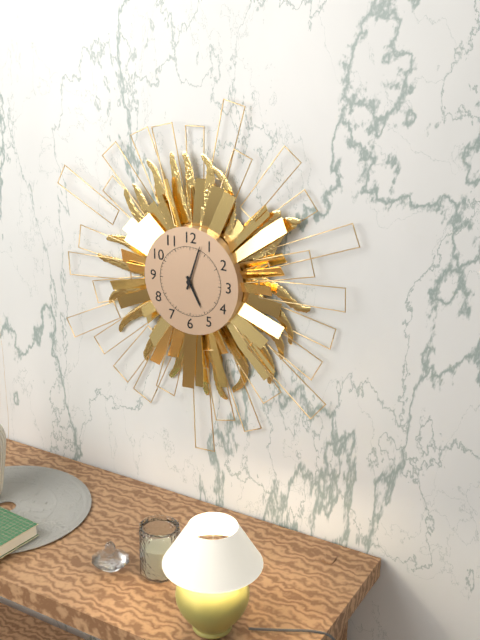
h=5 m=3
